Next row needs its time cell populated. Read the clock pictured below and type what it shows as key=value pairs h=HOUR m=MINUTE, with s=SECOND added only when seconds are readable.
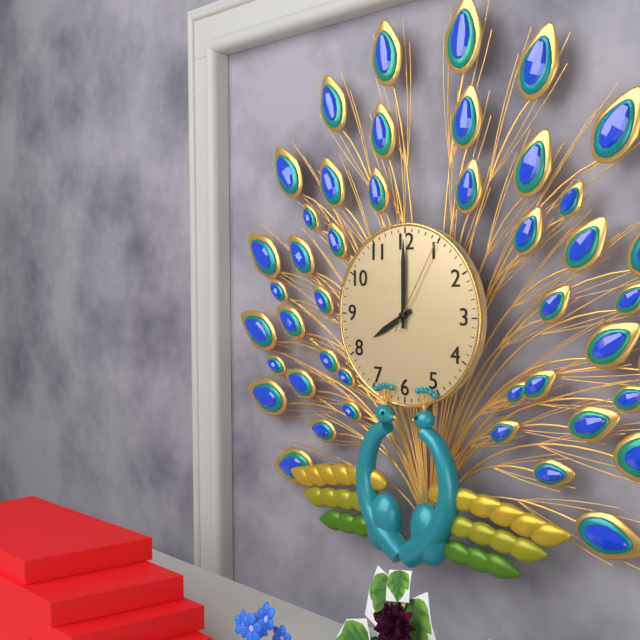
h=8 m=0 s=5
